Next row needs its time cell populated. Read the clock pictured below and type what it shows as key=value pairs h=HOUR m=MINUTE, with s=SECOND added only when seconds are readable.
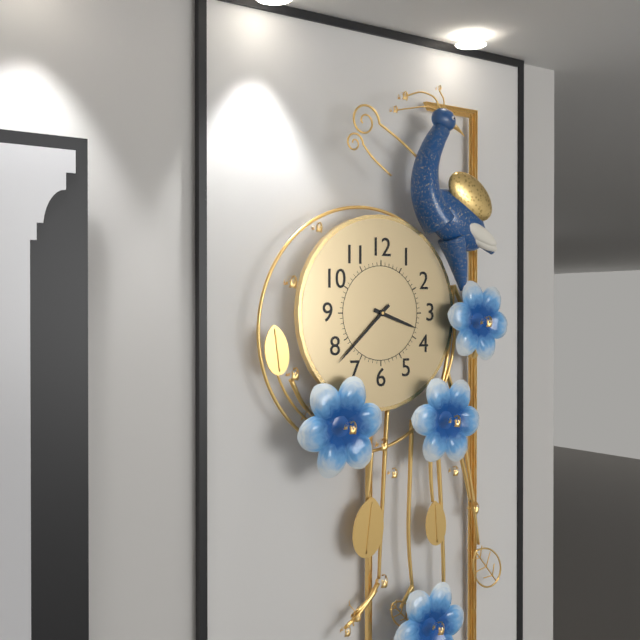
h=3 m=38
